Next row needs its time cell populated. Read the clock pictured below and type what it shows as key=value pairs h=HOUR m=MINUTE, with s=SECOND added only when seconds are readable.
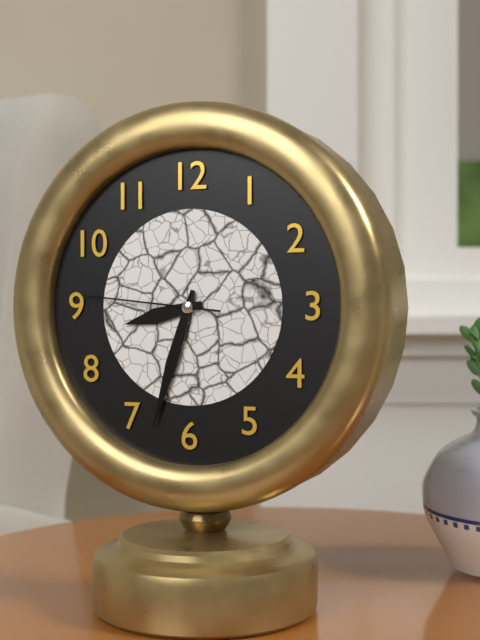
h=8 m=33 s=46
